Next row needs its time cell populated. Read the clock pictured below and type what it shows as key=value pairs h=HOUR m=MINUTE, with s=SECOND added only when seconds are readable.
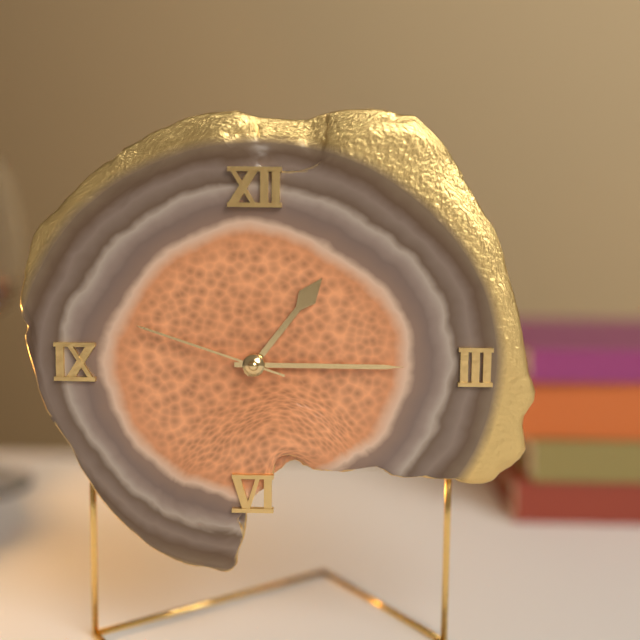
h=1 m=15 s=48
